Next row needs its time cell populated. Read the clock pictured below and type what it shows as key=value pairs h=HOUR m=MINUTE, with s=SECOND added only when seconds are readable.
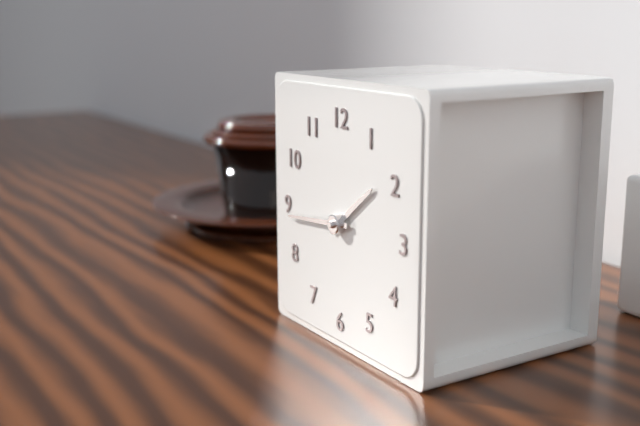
h=1 m=44
